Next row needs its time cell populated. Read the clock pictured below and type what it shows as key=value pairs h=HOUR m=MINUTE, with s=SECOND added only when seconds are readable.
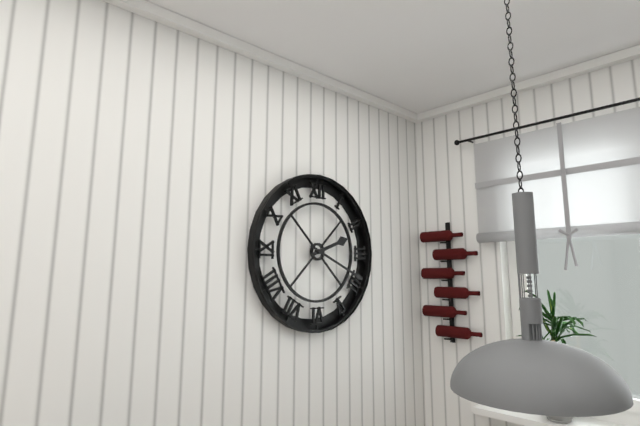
h=2 m=19
